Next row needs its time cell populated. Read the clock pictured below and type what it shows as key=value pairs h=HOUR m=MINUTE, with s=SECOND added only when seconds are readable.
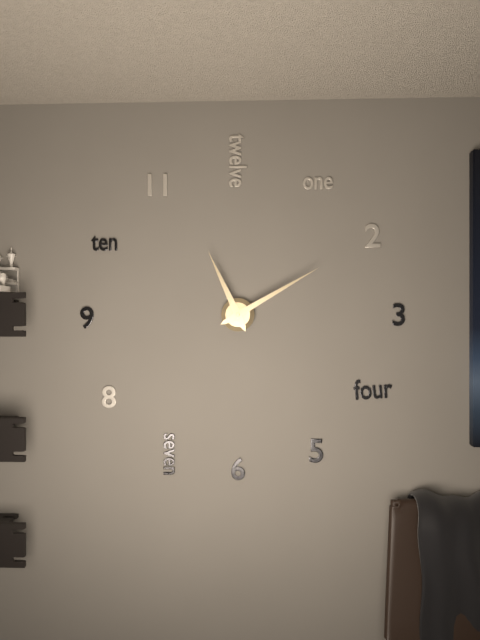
h=11 m=10
